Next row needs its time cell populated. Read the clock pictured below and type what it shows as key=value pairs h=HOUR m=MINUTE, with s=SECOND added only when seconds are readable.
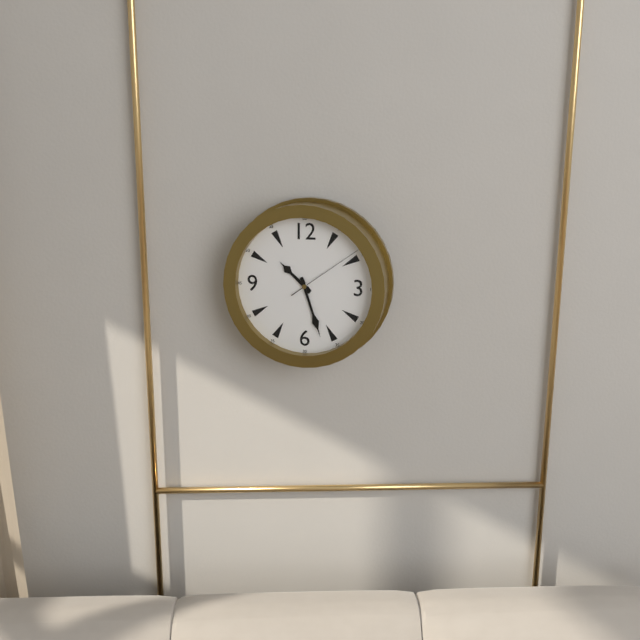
h=10 m=27 s=9
